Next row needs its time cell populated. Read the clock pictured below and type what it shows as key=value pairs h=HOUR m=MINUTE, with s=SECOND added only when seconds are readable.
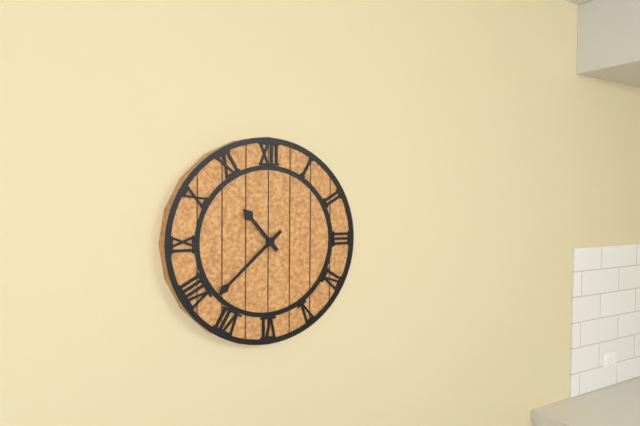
h=10 m=38
